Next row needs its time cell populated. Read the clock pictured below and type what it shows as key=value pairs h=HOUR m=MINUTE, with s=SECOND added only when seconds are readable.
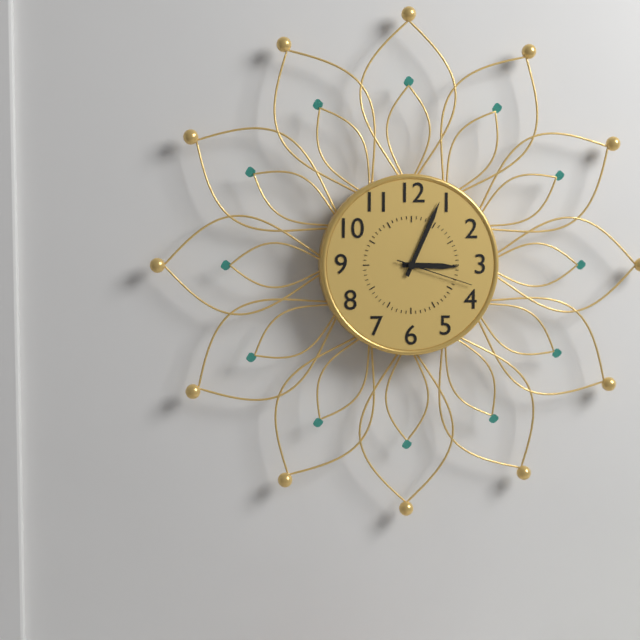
h=3 m=4 s=18
